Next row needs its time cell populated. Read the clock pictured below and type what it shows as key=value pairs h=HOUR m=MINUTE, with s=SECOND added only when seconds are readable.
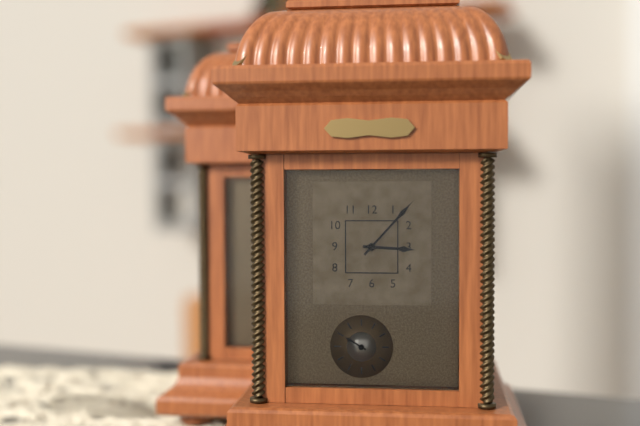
h=3 m=7
